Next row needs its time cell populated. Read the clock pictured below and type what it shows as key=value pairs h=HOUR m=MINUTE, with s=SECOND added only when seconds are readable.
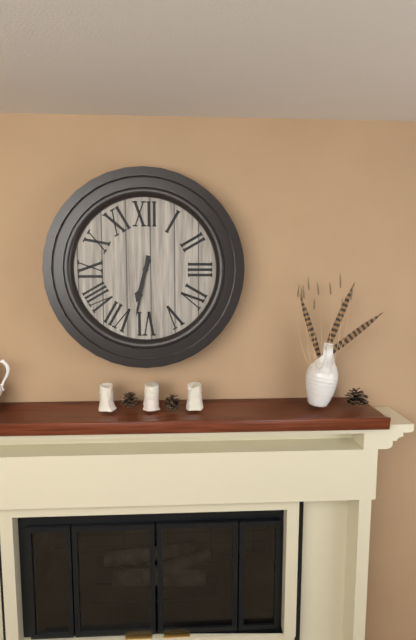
h=6 m=32
